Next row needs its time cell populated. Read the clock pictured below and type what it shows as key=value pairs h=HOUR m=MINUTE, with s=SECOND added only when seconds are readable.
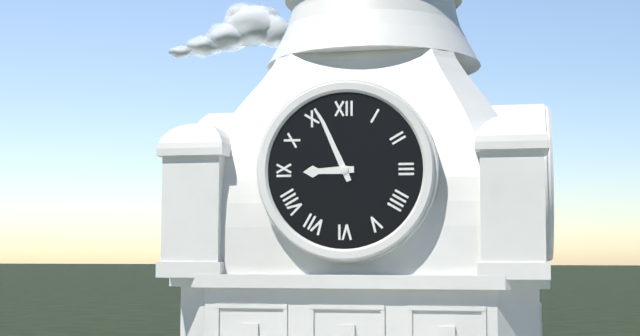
h=8 m=56
